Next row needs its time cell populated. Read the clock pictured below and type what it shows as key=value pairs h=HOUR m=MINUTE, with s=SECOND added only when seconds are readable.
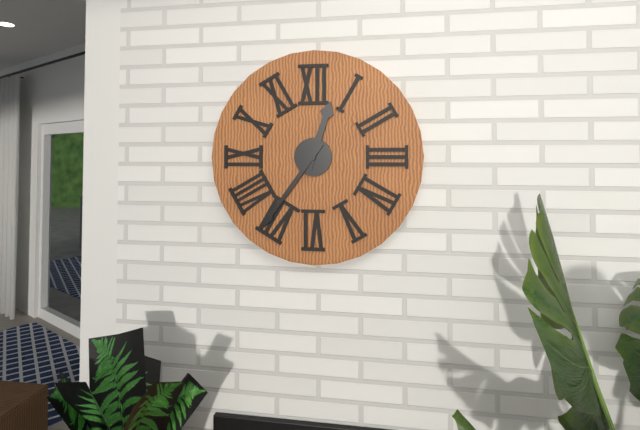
h=12 m=36
